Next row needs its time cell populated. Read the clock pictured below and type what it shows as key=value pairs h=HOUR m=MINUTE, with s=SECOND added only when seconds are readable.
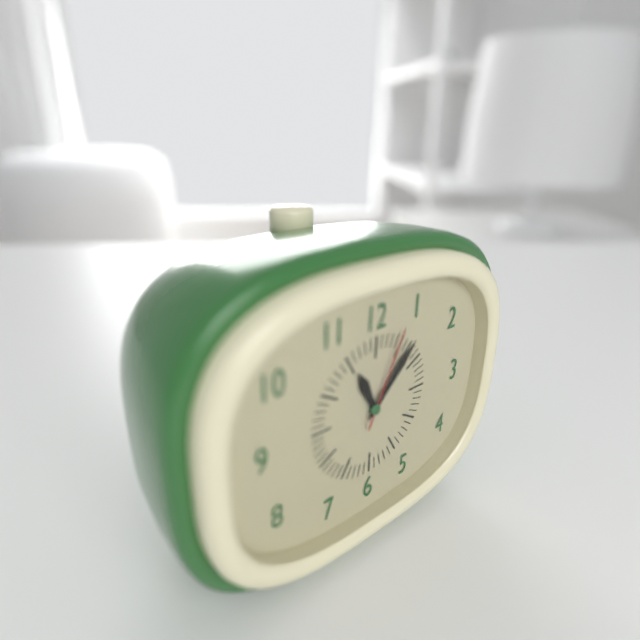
h=11 m=7 s=4
